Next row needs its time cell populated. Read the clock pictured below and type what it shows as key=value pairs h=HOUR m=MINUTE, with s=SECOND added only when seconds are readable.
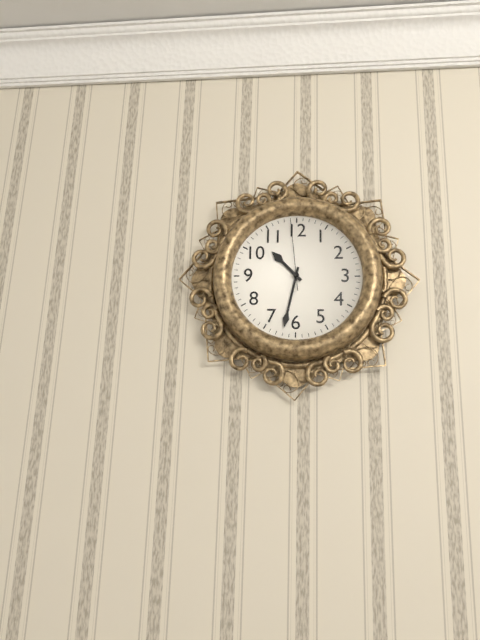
h=10 m=32 s=59
